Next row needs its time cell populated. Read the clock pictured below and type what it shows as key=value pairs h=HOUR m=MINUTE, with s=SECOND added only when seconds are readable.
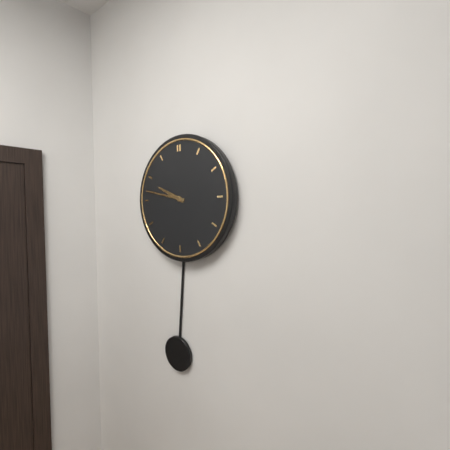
h=9 m=47
